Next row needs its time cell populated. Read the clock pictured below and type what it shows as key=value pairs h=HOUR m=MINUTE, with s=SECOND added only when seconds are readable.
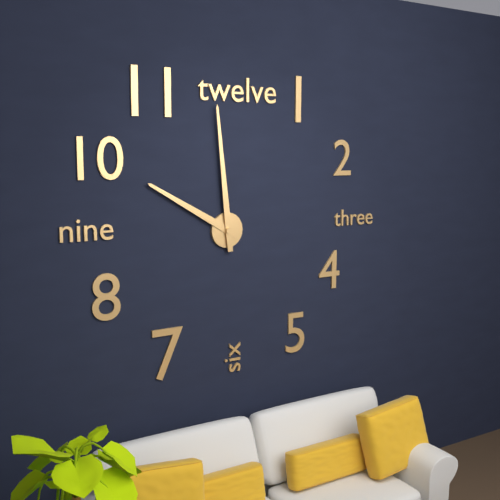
h=9 m=59
